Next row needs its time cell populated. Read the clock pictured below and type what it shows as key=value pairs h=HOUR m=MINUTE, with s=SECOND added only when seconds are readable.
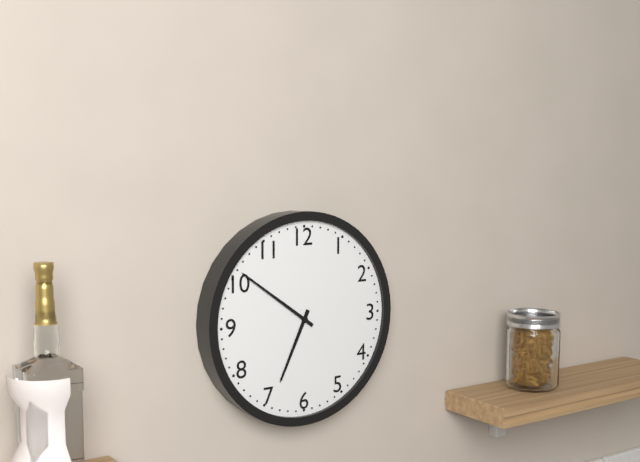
h=6 m=51
